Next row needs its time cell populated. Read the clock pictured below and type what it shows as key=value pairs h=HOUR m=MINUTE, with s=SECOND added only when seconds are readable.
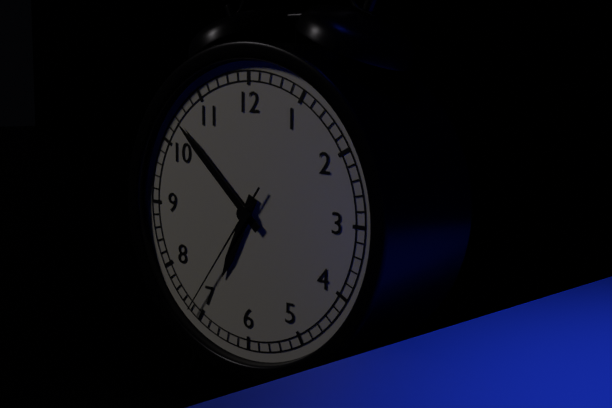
h=6 m=52 s=36
